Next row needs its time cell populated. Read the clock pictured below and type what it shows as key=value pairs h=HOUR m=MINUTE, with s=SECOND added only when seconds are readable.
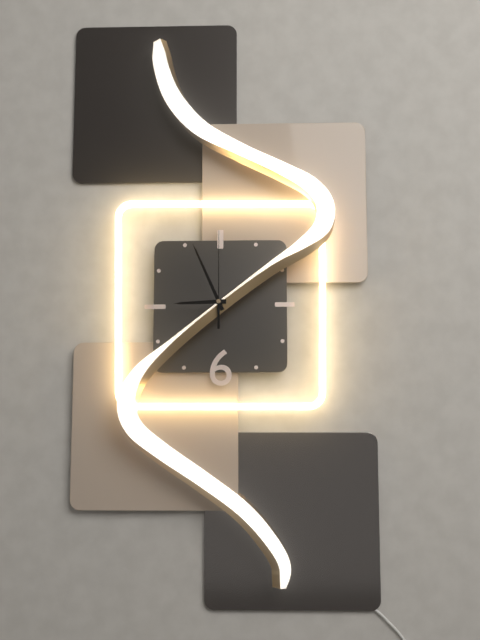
h=8 m=56 s=0
